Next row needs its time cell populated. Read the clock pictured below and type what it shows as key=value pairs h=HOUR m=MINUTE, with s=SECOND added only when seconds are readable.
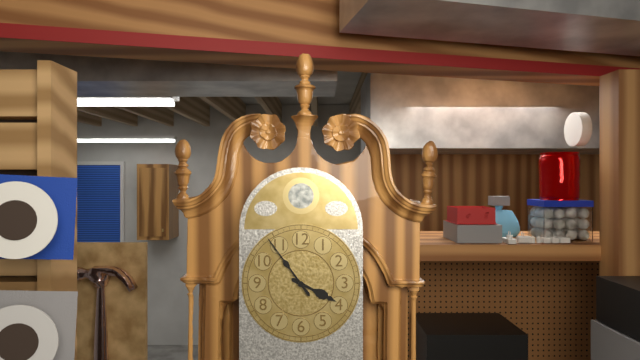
h=3 m=54
